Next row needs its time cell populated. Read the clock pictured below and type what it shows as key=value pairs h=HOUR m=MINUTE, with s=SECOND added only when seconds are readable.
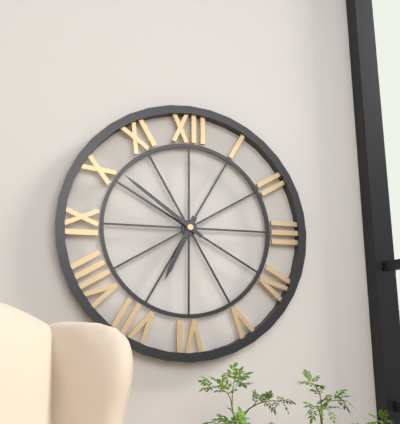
h=6 m=51
